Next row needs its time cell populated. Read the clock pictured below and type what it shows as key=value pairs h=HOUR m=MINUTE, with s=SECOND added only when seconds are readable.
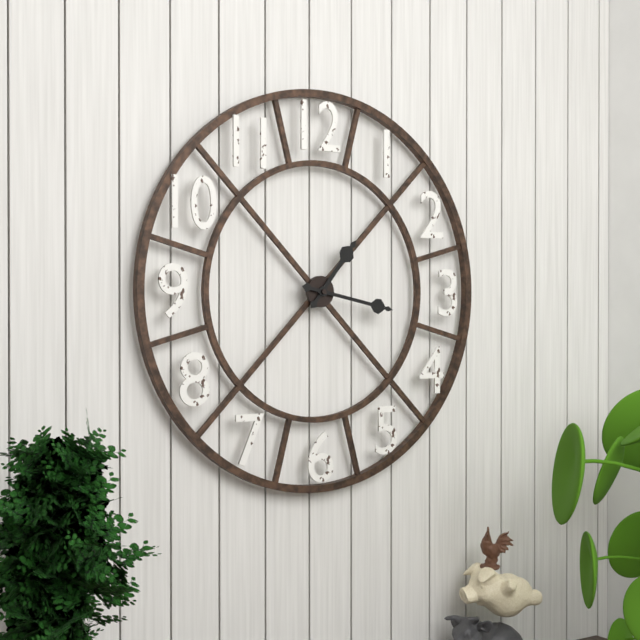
h=1 m=17
